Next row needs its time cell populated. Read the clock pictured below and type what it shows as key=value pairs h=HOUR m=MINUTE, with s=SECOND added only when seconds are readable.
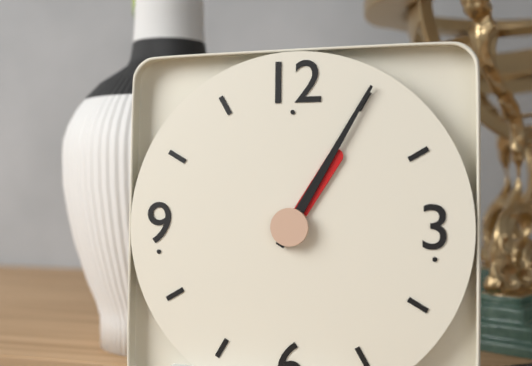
h=1 m=5
